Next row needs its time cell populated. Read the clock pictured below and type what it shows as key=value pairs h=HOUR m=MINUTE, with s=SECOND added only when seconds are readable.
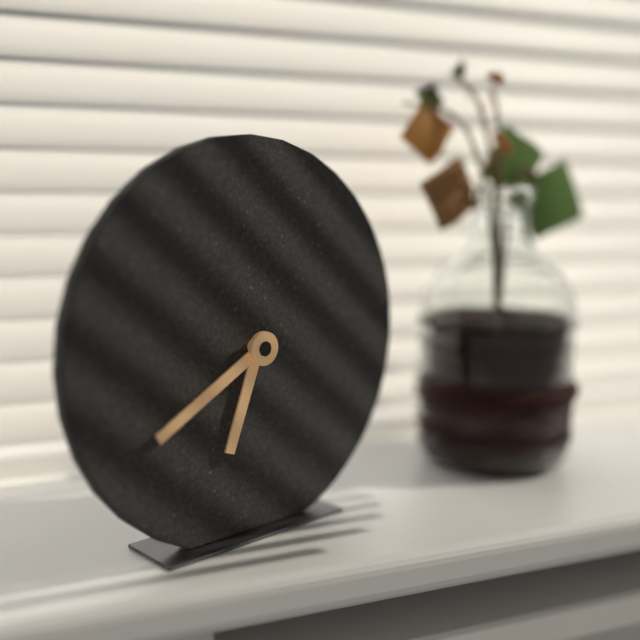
h=6 m=40
